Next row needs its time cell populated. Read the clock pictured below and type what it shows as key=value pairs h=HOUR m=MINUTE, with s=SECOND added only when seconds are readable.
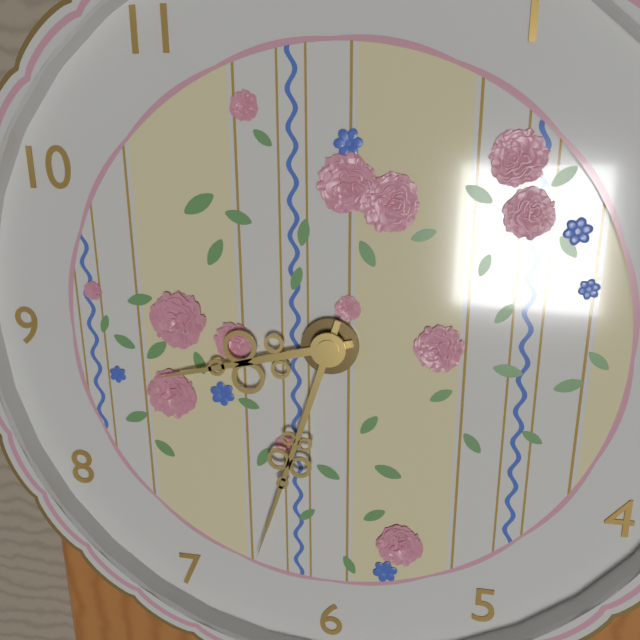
h=8 m=33
